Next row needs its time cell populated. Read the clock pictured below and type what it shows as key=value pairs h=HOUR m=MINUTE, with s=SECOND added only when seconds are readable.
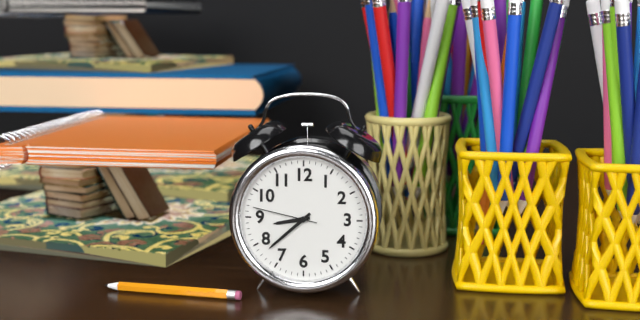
h=8 m=38 s=47
